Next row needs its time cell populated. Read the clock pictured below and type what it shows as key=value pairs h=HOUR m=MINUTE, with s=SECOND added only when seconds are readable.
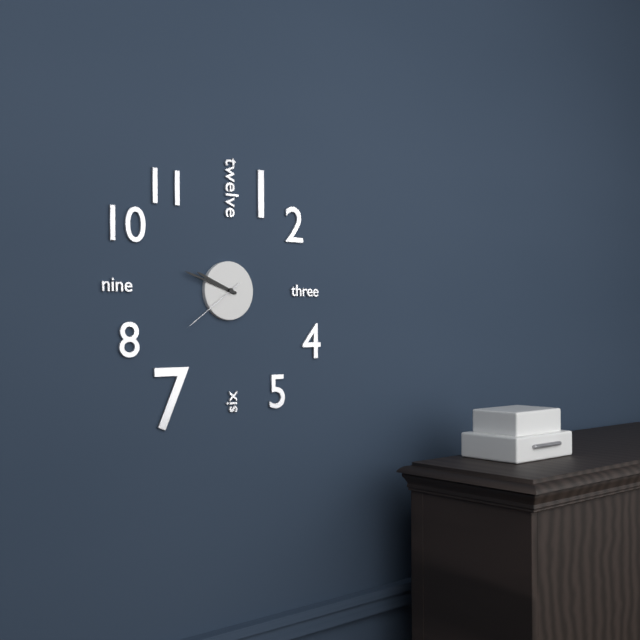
h=9 m=48 s=39
